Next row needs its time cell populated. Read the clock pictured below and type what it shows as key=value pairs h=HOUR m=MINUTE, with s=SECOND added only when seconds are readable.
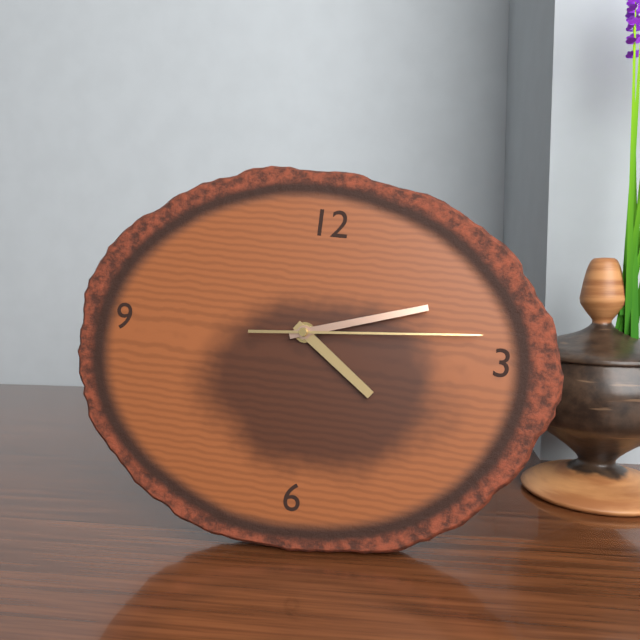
h=4 m=12 s=14
